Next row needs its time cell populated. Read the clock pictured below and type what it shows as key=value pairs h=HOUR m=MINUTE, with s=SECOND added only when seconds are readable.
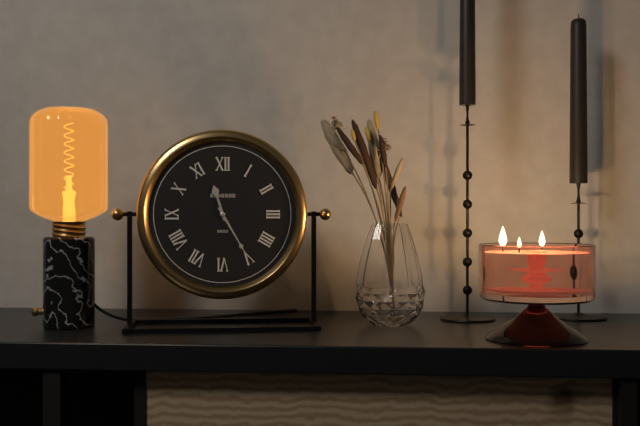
h=11 m=25
